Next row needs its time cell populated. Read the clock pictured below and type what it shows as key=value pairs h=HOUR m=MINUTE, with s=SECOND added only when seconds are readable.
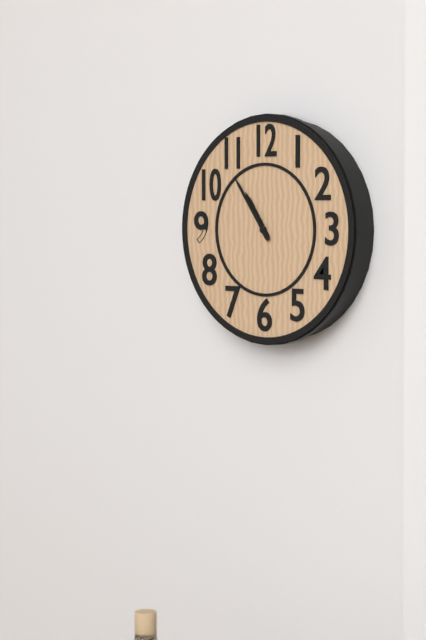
h=10 m=54
